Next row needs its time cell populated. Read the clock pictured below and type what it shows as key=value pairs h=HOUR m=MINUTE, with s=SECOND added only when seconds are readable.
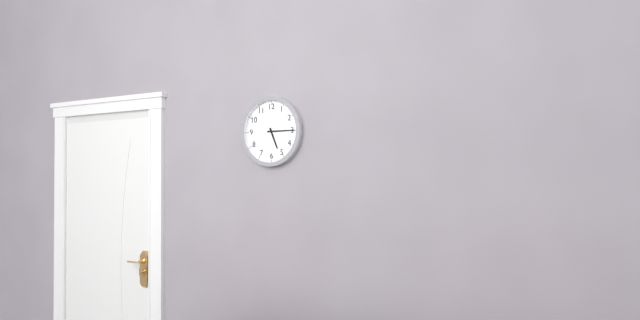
h=5 m=15
